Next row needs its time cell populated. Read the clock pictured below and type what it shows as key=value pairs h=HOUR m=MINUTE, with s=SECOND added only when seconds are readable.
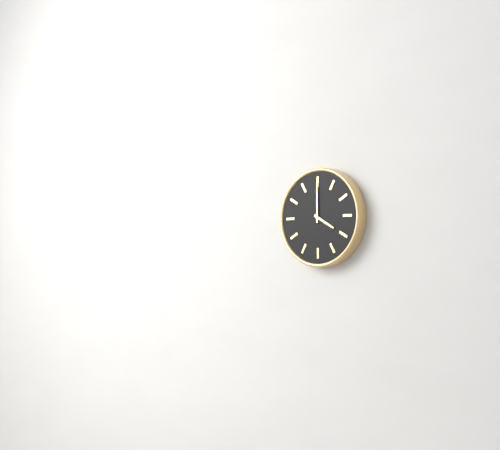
h=4 m=0
